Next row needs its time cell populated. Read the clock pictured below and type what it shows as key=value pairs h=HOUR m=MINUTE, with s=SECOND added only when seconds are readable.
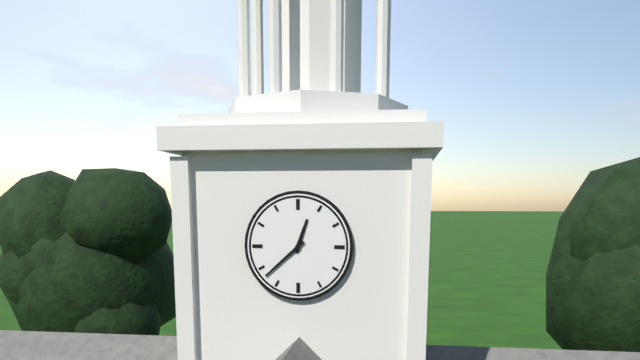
h=12 m=38
